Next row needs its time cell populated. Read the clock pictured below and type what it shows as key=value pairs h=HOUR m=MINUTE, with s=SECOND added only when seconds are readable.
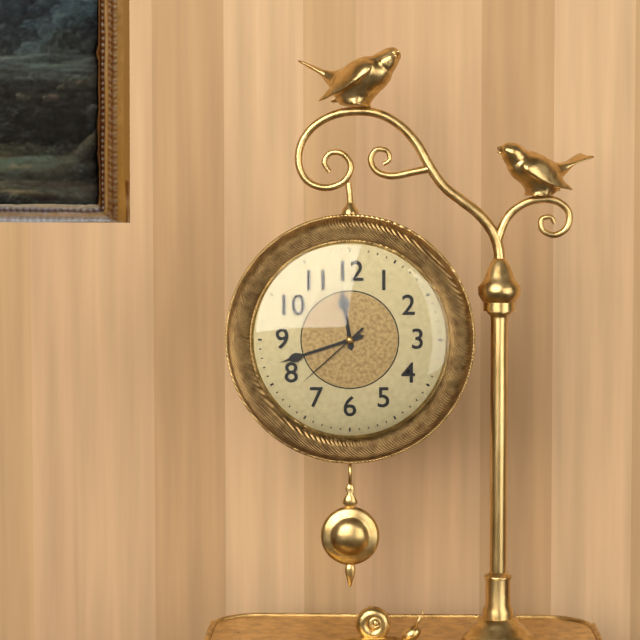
h=11 m=42 s=38
